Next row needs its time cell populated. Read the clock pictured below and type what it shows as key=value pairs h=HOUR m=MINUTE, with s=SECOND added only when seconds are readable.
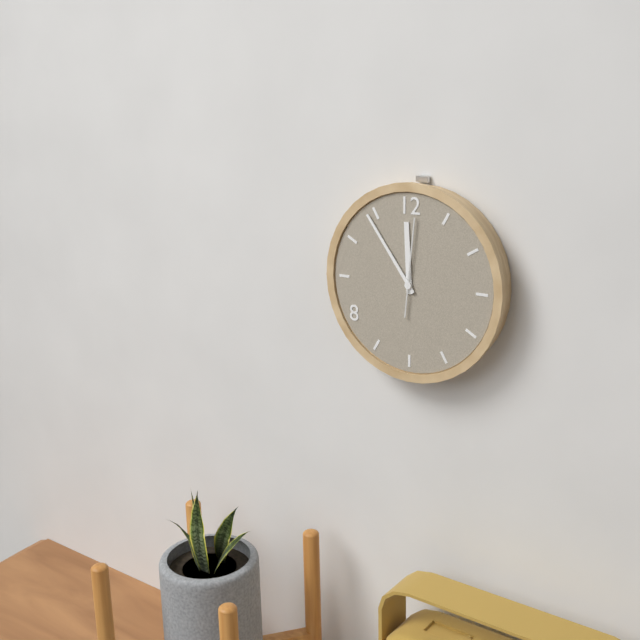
h=11 m=54 s=1
